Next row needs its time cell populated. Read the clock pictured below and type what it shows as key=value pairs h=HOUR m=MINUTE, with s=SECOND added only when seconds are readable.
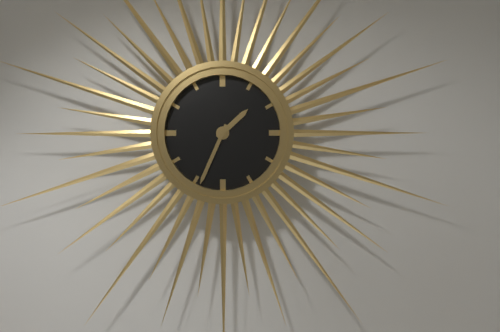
h=1 m=34
